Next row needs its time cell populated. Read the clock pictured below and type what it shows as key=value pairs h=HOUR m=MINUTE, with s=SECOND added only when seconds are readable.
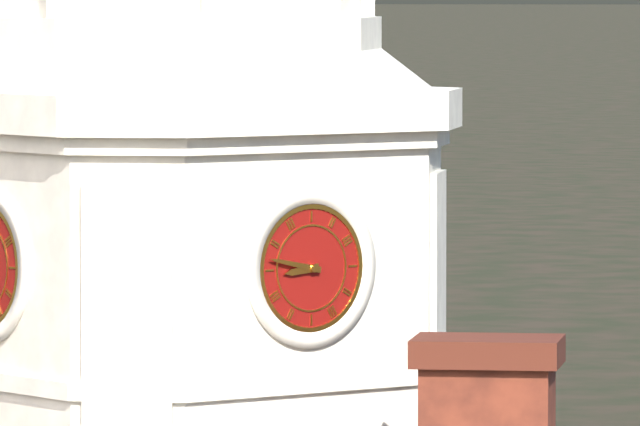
h=8 m=47
